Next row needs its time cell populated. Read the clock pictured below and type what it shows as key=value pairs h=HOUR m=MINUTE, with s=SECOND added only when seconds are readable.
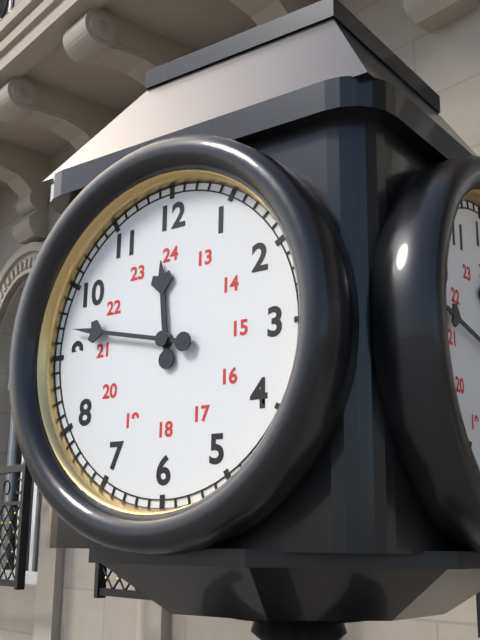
h=11 m=47
